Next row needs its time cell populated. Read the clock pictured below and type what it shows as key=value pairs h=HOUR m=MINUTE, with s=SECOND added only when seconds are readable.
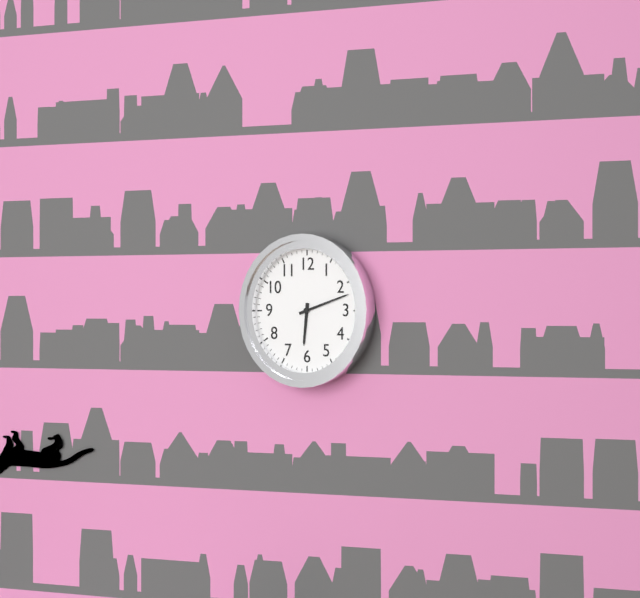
h=6 m=12
